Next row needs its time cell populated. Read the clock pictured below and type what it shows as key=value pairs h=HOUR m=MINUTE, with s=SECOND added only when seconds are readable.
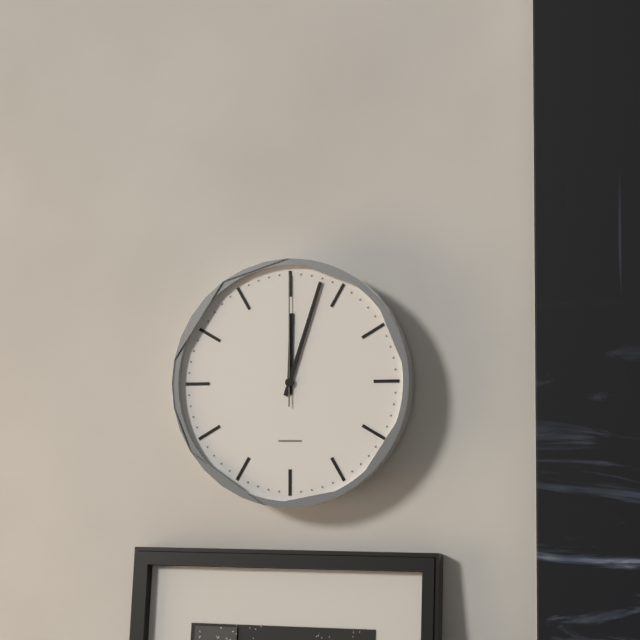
h=12 m=3 s=0
